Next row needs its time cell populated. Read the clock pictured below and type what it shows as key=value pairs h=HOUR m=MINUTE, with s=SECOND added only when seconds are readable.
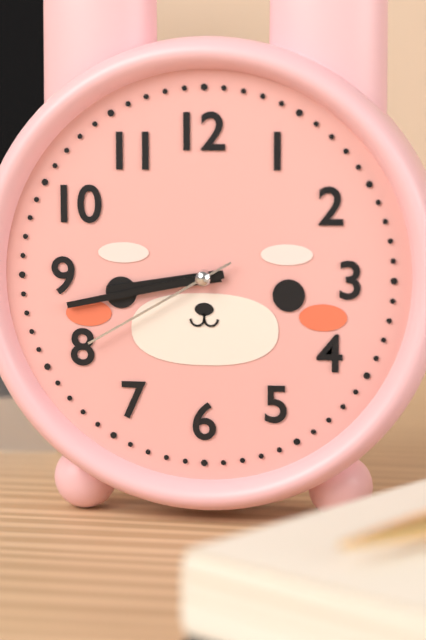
h=8 m=43 s=40
